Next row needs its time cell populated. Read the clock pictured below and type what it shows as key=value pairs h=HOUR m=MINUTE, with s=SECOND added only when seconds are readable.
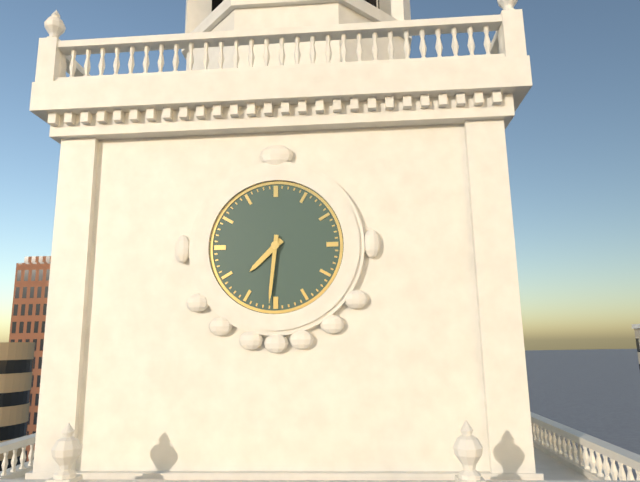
h=7 m=31
